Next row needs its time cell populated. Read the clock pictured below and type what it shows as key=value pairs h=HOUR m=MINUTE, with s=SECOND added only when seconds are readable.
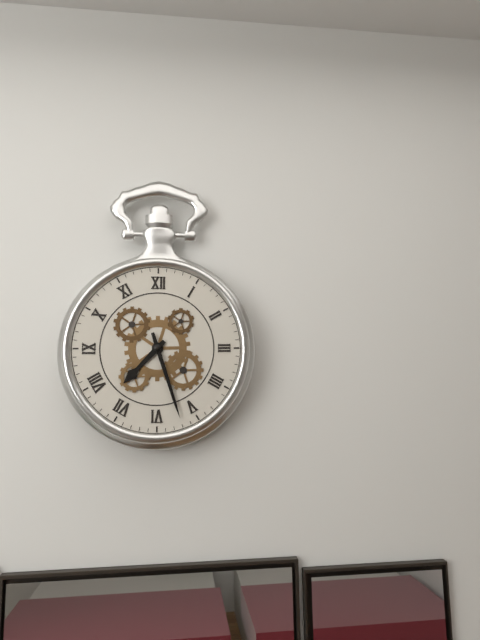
h=7 m=27
